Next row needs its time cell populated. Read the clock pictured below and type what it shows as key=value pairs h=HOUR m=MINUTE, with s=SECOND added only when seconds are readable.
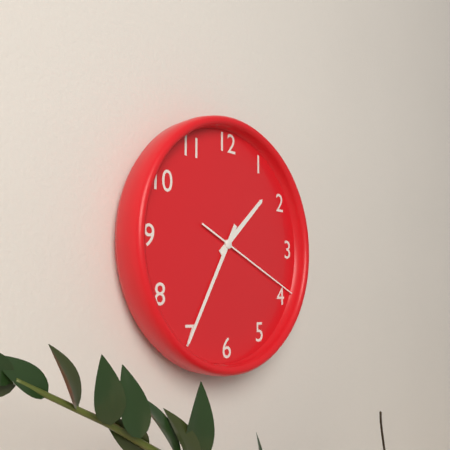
h=1 m=35 s=19
